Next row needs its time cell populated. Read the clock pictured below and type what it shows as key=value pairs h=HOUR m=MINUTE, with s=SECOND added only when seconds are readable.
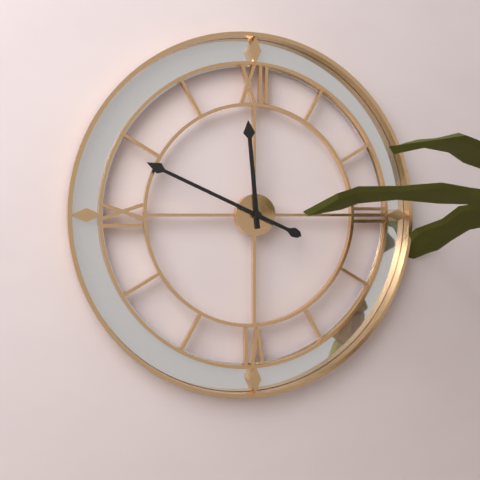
h=11 m=49
